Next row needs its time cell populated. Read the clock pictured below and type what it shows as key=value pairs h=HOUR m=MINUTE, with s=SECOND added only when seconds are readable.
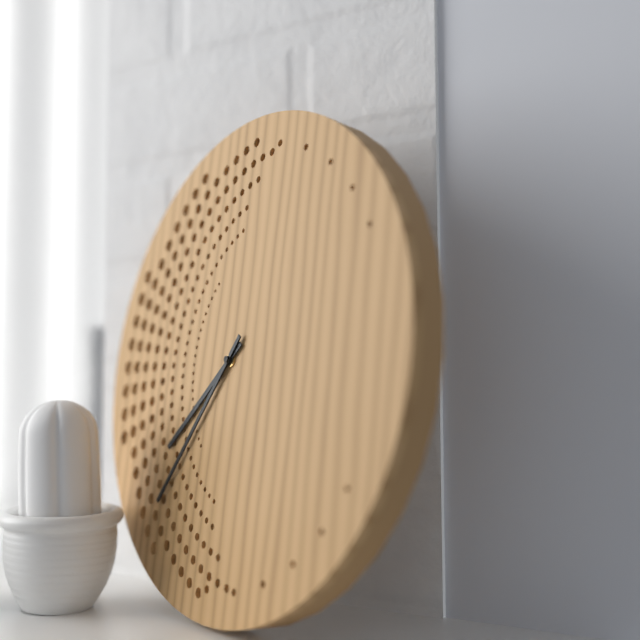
h=7 m=36
